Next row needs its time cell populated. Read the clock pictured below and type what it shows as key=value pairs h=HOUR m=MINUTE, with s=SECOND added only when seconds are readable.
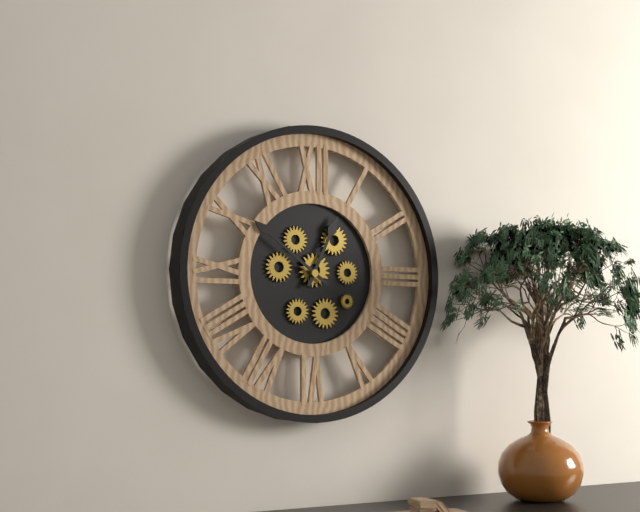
h=12 m=51
